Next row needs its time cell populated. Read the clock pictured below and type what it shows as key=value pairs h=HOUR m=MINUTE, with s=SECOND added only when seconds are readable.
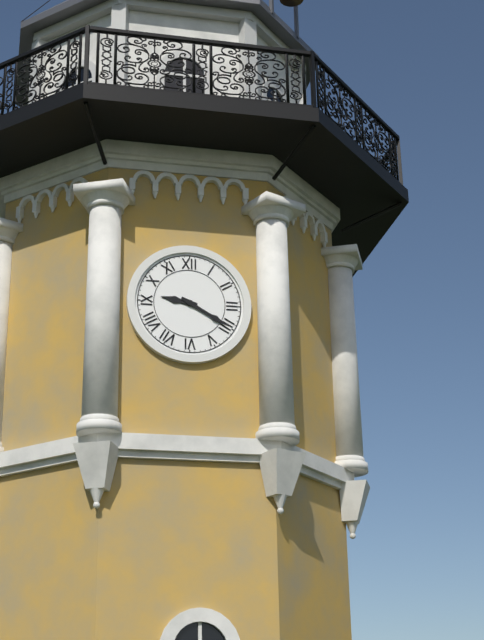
h=9 m=20
